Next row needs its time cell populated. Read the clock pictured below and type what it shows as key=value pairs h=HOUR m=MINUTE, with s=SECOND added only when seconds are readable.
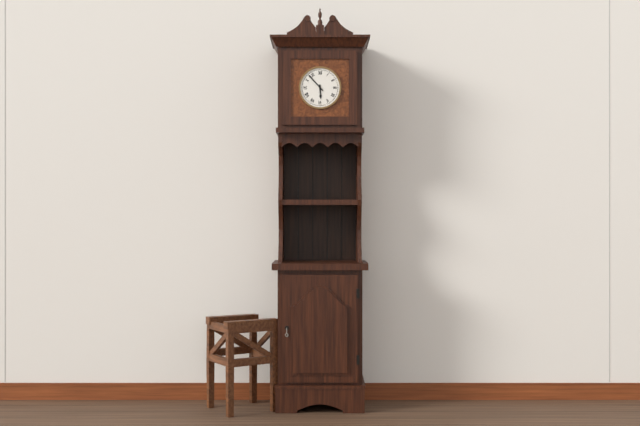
h=5 m=53
